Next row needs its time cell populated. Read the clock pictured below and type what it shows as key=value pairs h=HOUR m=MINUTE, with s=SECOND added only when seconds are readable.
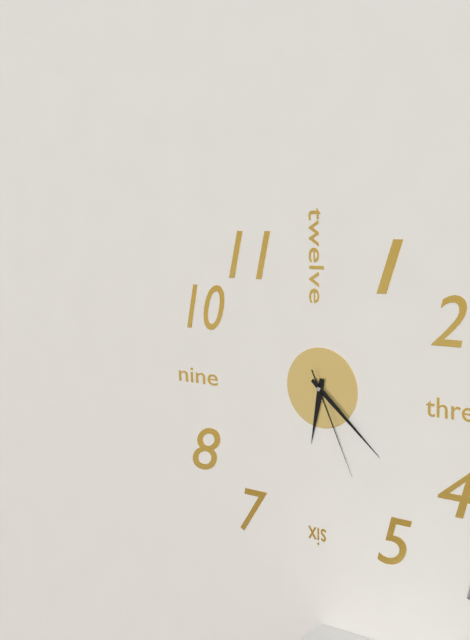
h=6 m=22 s=26
